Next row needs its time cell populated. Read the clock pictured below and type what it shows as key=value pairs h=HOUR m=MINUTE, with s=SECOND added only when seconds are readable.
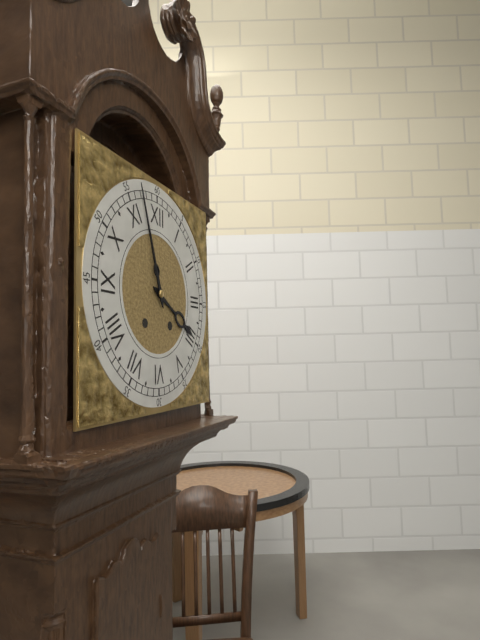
h=3 m=57
